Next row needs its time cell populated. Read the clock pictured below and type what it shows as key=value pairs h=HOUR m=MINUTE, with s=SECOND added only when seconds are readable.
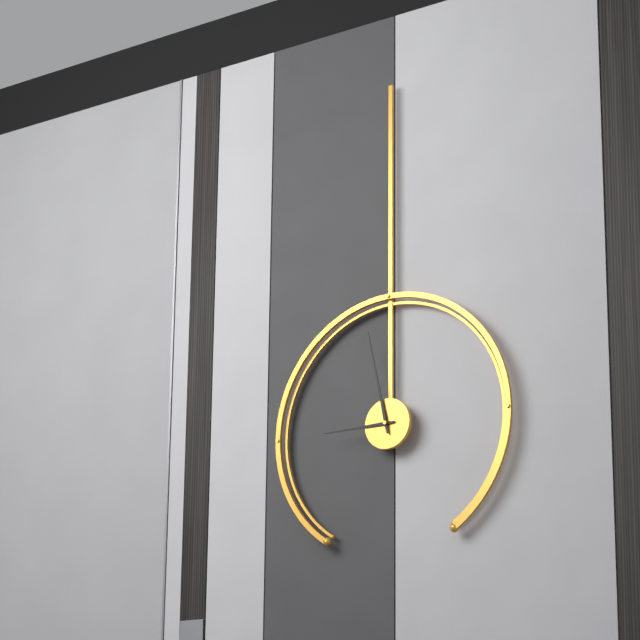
h=8 m=58
